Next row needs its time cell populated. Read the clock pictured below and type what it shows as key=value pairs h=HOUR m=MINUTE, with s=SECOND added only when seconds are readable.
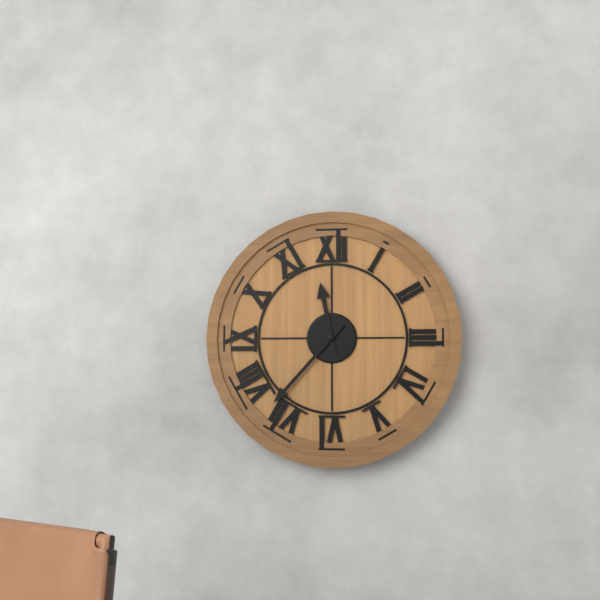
h=11 m=37
